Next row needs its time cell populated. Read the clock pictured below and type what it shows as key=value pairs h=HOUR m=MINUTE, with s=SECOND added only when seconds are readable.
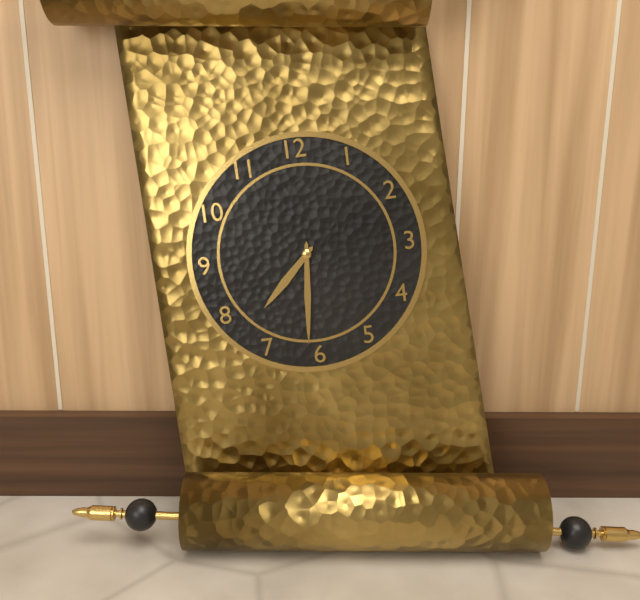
h=7 m=31
